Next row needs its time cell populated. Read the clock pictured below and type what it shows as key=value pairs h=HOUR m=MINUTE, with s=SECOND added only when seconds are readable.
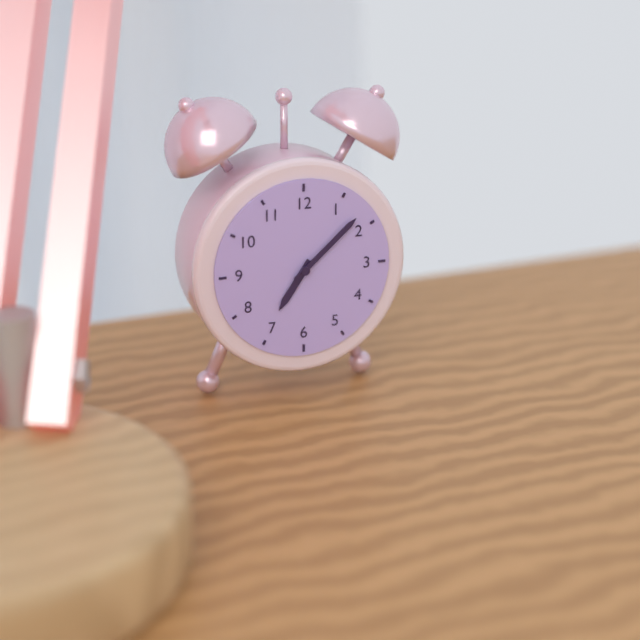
h=7 m=8
